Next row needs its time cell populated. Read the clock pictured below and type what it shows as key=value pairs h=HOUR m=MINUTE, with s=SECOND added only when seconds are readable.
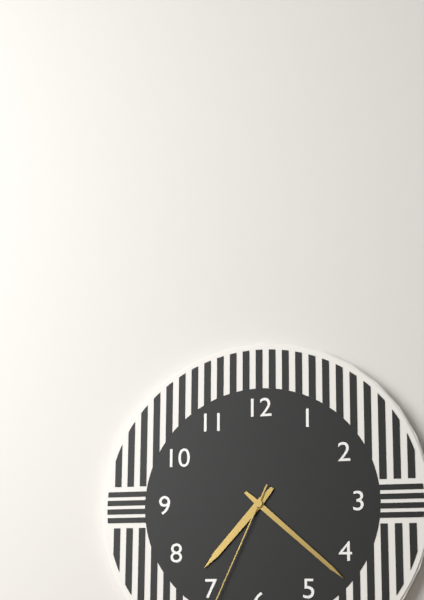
h=7 m=22
